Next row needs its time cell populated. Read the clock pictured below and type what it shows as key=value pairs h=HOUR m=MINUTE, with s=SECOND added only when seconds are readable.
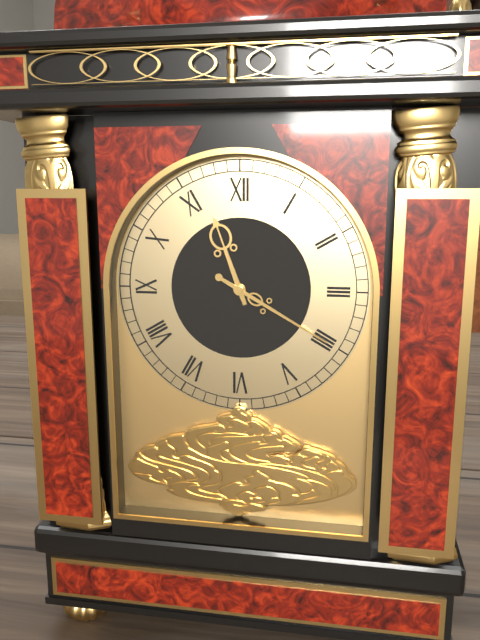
h=11 m=20
